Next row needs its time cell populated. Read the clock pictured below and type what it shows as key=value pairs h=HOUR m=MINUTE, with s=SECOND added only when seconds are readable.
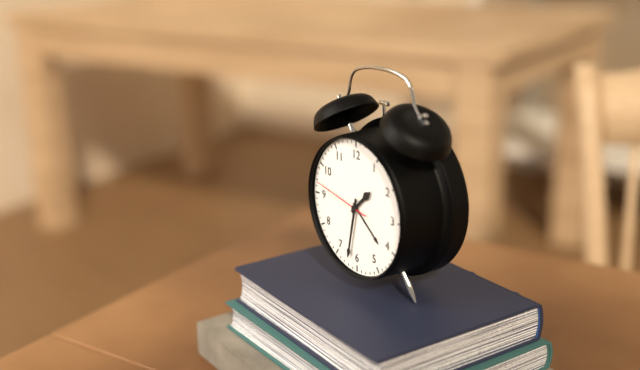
h=1 m=32 s=47
